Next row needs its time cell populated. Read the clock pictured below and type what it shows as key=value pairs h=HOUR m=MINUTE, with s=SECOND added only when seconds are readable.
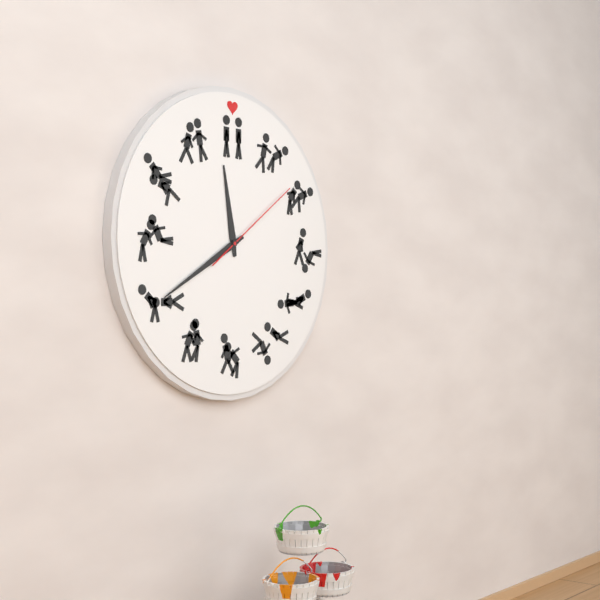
h=11 m=40 s=9
